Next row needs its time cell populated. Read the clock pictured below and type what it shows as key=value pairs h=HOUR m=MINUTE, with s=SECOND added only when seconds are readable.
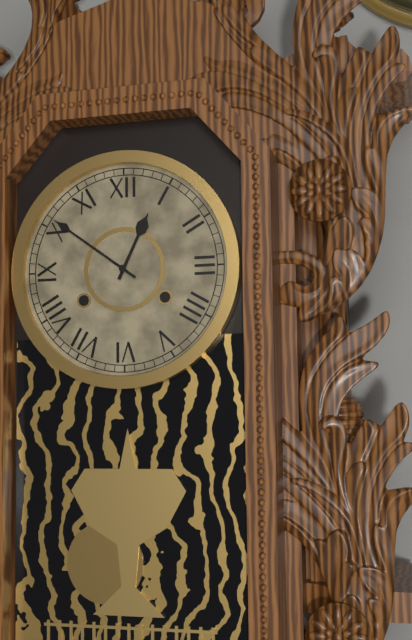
h=12 m=51
